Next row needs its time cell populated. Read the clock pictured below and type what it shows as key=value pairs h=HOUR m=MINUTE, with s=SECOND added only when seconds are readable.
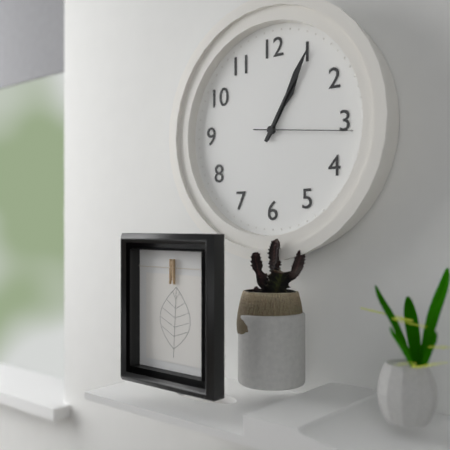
h=1 m=5 s=16
